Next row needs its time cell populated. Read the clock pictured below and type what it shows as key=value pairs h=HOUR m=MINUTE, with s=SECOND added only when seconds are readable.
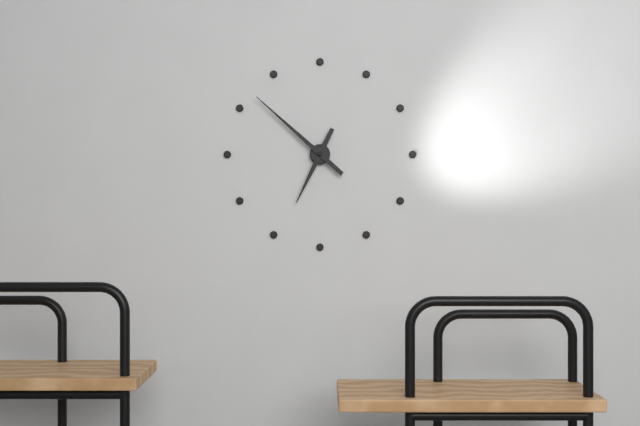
h=6 m=52
